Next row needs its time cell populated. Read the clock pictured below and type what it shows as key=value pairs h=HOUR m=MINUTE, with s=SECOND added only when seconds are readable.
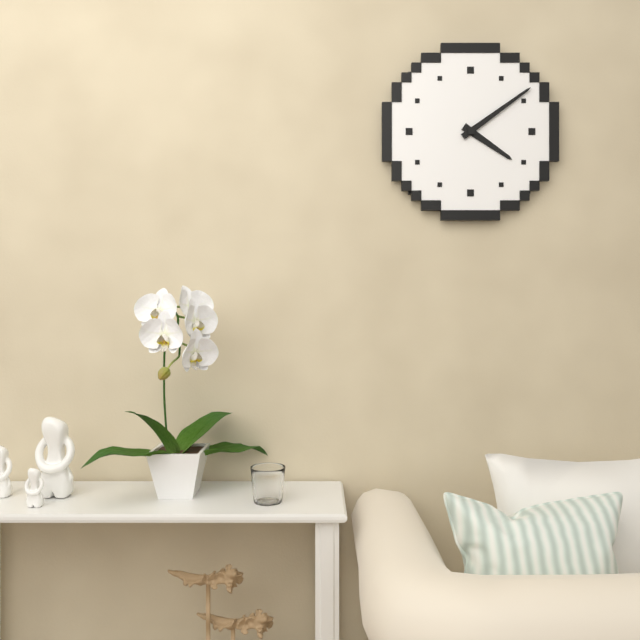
h=4 m=9
